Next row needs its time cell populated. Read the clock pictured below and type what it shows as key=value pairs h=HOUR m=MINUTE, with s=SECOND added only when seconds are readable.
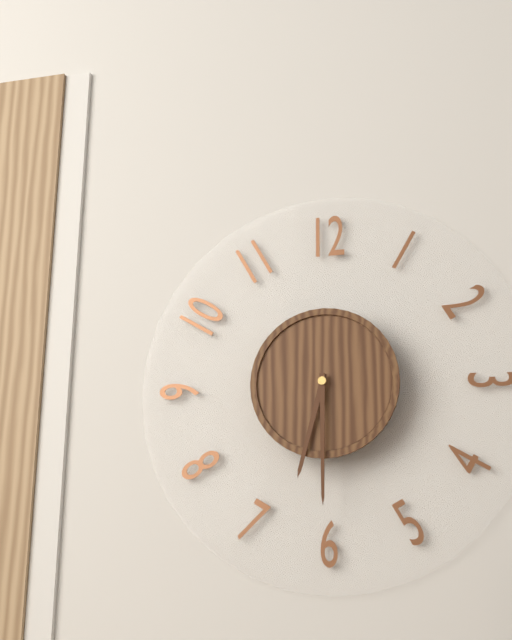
h=6 m=30
